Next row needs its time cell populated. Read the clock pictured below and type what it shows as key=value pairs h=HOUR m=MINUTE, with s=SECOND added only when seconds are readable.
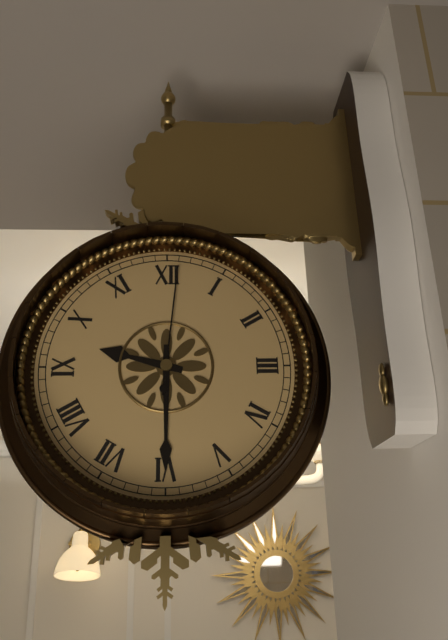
h=9 m=30 s=1
